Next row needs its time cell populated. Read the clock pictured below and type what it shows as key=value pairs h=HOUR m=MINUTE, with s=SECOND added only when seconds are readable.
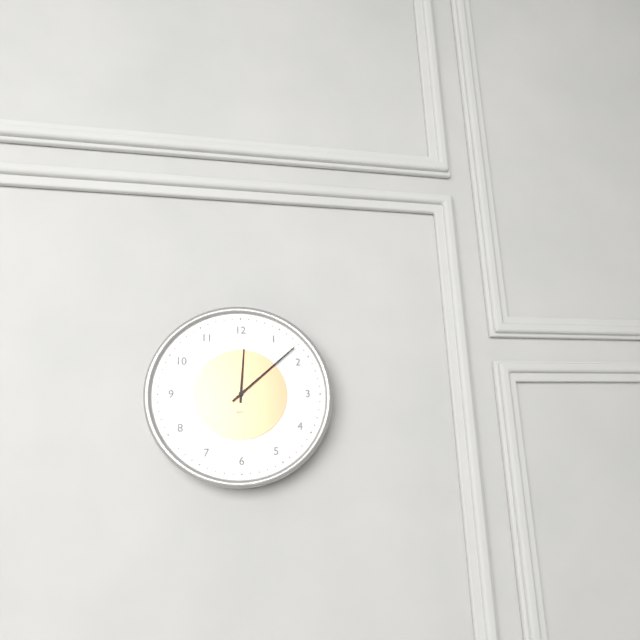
h=12 m=8
